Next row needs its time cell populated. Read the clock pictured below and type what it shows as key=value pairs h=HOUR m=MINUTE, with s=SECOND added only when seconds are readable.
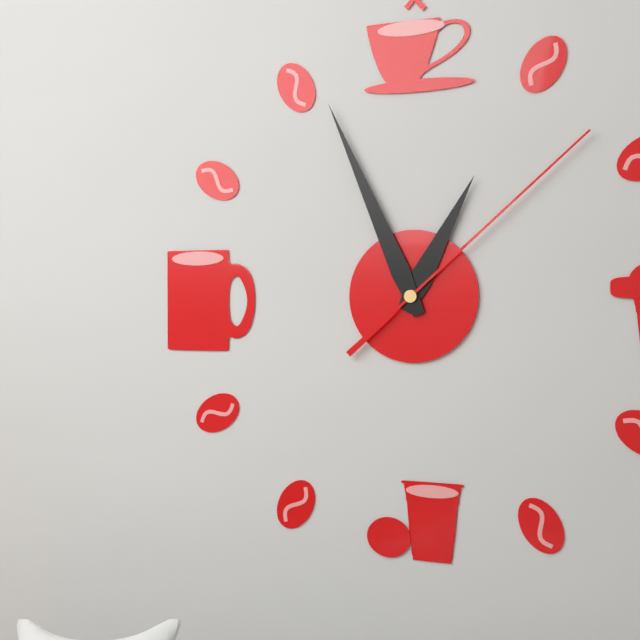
h=12 m=56 s=8
